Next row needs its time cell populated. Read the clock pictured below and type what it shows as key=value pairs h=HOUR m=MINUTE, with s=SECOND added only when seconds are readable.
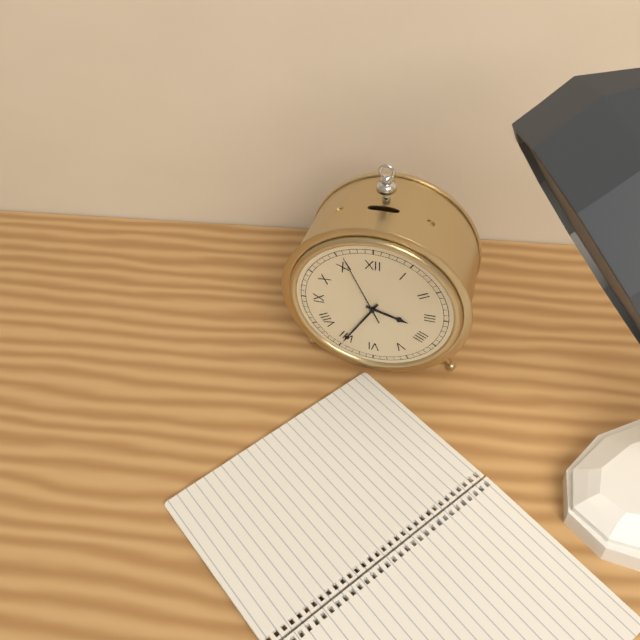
h=3 m=35 s=56
